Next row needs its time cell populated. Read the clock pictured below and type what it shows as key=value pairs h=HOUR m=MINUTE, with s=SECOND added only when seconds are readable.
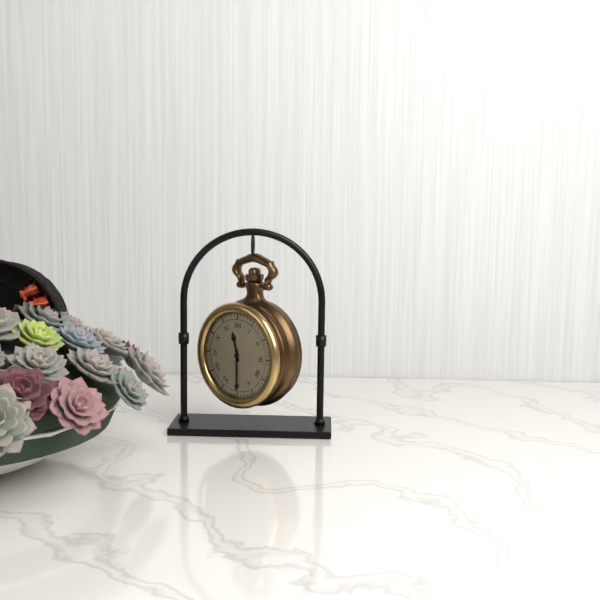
h=11 m=30
